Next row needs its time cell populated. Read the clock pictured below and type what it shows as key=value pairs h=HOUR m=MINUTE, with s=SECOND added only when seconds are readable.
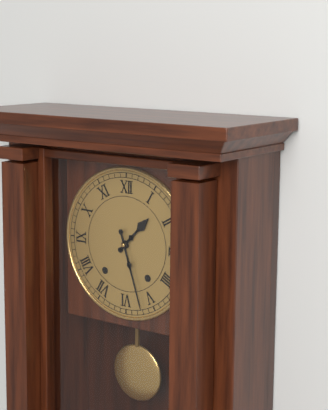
h=1 m=27
